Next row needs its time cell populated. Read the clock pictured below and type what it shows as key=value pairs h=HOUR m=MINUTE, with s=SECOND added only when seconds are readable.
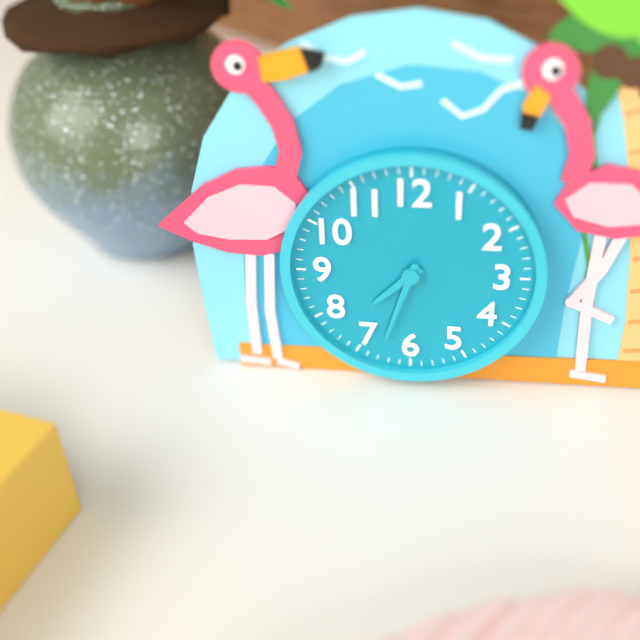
h=7 m=33
